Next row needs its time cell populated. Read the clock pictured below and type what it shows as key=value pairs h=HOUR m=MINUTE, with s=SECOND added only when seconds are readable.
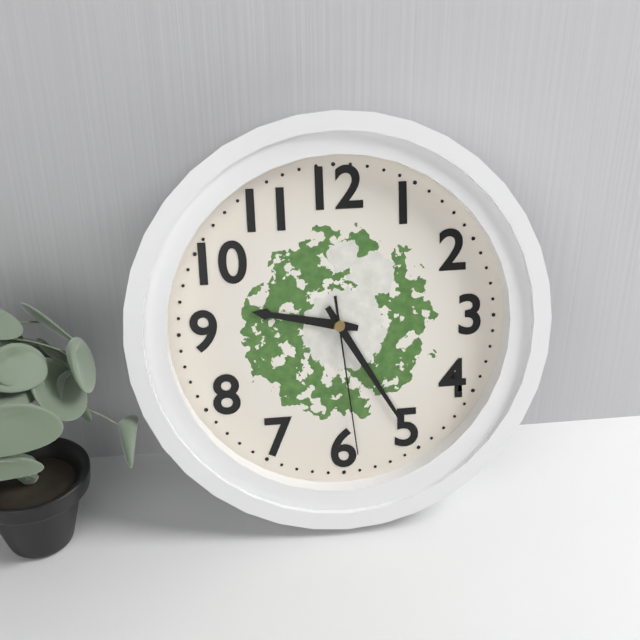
h=9 m=25 s=29
